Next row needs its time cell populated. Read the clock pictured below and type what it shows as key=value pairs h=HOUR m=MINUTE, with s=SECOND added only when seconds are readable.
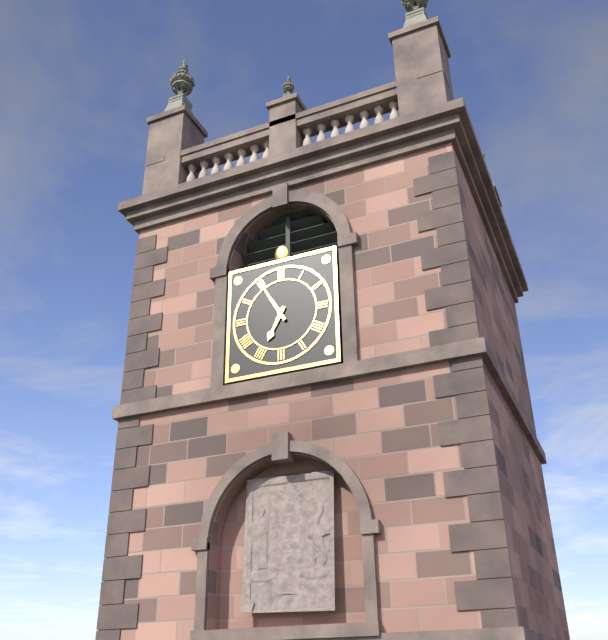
h=6 m=55
